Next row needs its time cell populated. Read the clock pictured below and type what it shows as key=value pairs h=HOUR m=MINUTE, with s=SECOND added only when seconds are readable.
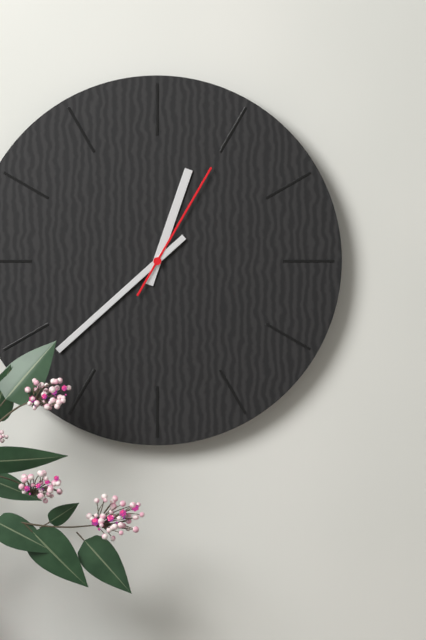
h=12 m=38 s=5
